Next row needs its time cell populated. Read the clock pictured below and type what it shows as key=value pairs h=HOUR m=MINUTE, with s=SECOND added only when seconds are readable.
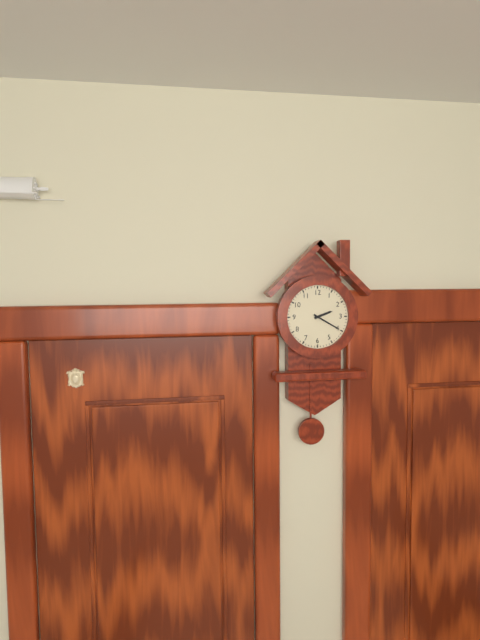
h=2 m=20
